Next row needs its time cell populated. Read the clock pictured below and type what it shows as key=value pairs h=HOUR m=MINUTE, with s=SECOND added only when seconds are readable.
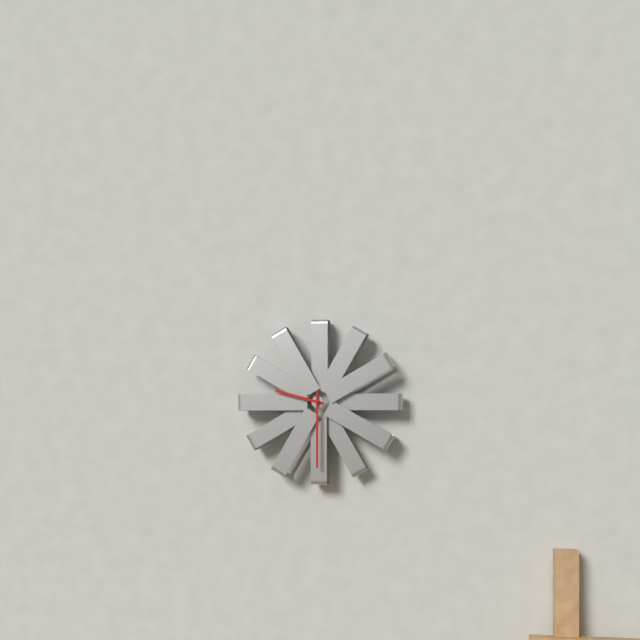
h=9 m=30
